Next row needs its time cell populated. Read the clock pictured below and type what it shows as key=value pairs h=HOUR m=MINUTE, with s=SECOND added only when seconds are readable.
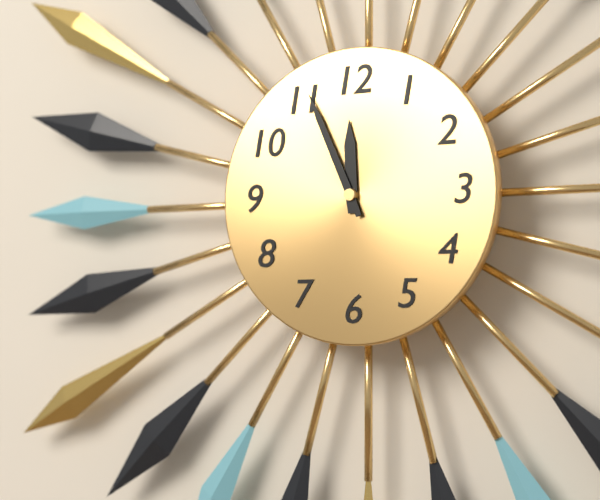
h=11 m=56
